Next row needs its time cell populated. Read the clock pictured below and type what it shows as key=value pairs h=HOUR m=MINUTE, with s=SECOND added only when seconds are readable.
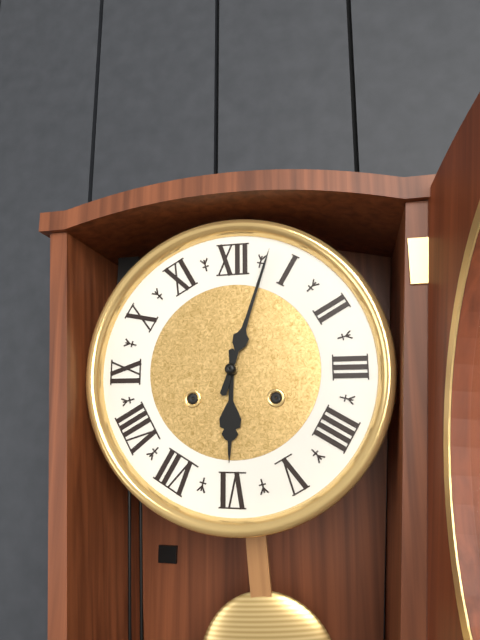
h=6 m=3
